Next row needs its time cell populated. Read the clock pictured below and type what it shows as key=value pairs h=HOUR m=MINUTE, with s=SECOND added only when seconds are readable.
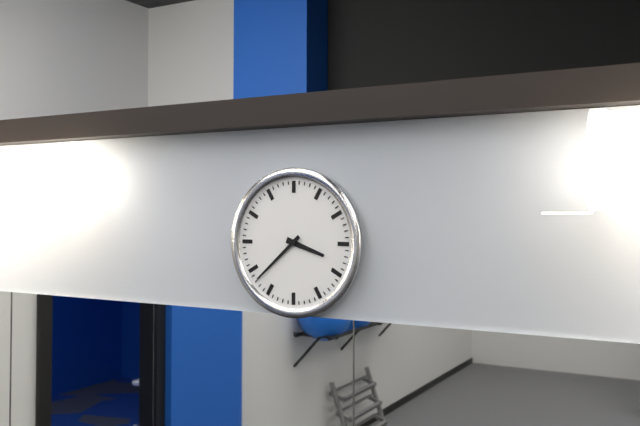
h=3 m=38
